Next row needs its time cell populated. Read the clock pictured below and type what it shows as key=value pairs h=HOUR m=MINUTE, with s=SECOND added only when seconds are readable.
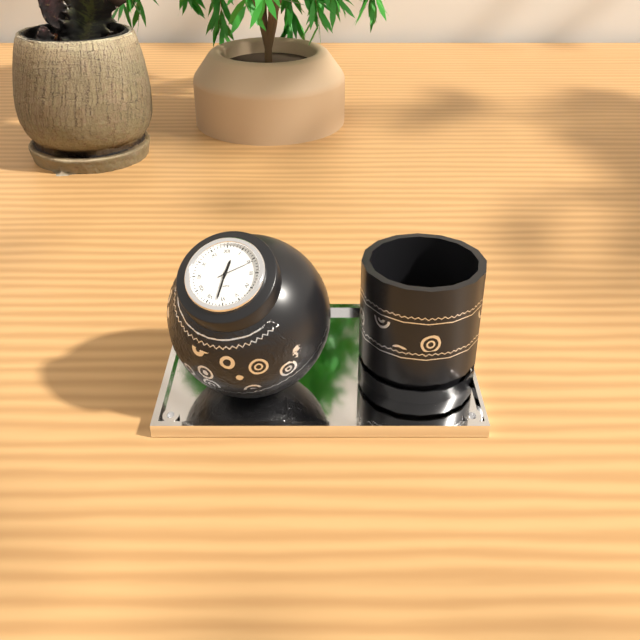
h=12 m=32 s=11
